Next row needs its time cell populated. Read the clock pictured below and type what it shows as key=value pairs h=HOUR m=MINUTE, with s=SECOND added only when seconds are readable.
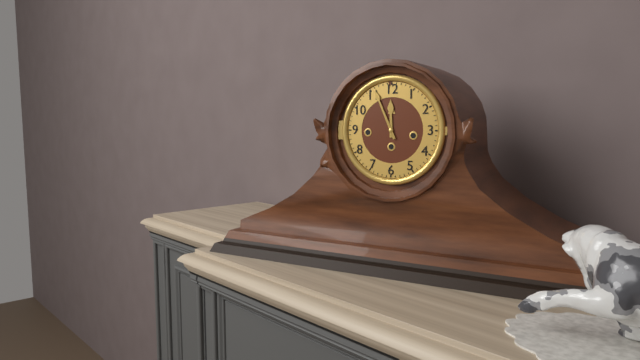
h=11 m=56
